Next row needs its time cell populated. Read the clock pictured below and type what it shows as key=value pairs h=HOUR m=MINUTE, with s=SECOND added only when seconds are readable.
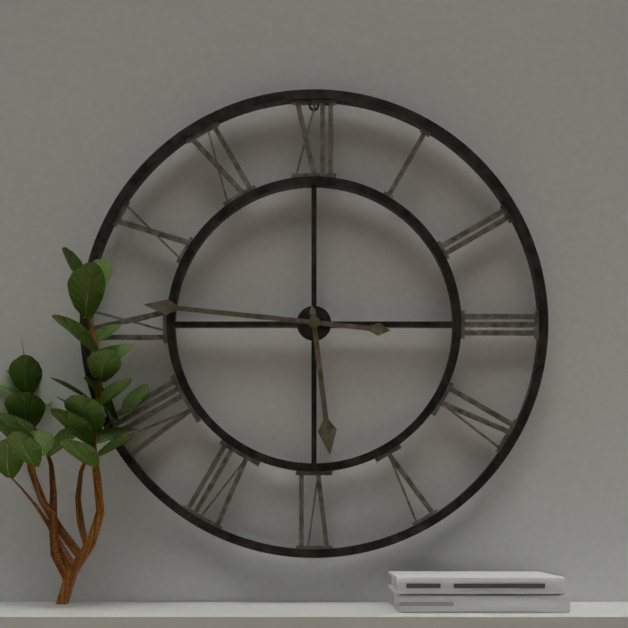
h=5 m=46
